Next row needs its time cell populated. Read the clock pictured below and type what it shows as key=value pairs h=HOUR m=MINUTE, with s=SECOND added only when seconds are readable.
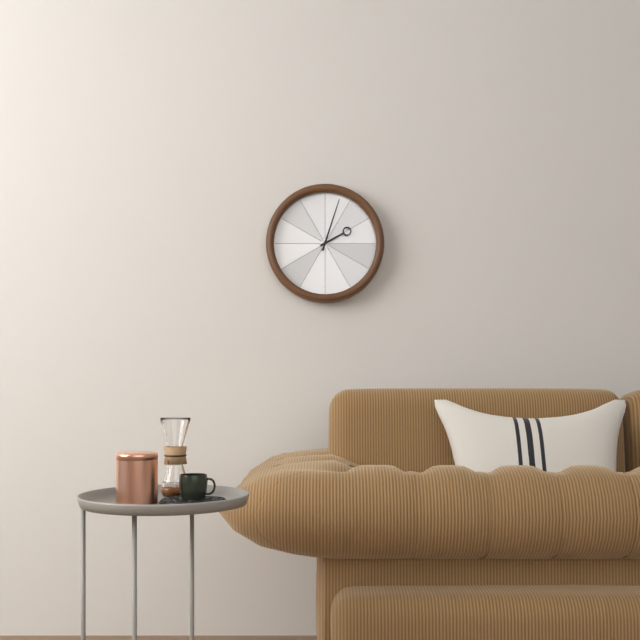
h=2 m=3
